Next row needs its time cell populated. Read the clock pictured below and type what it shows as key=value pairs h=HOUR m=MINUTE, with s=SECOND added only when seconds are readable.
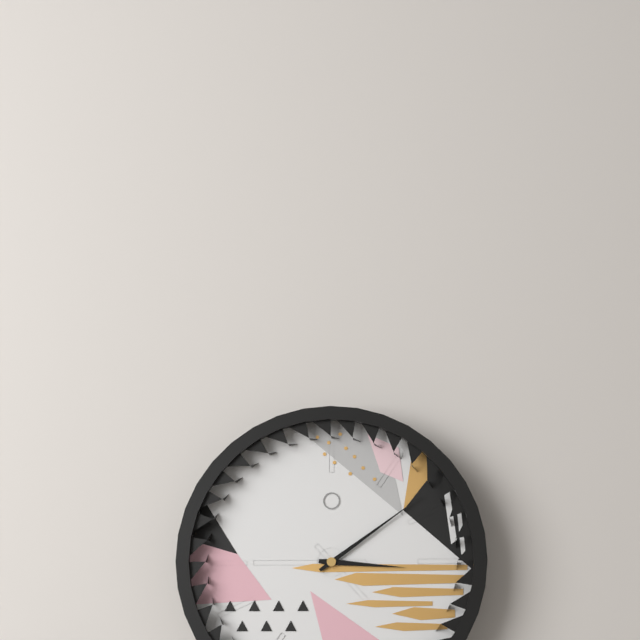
h=3 m=9
